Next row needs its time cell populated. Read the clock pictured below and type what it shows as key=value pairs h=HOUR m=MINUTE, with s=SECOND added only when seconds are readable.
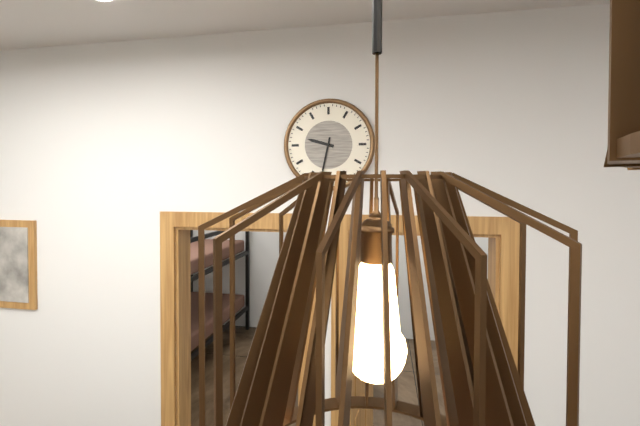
h=9 m=32
